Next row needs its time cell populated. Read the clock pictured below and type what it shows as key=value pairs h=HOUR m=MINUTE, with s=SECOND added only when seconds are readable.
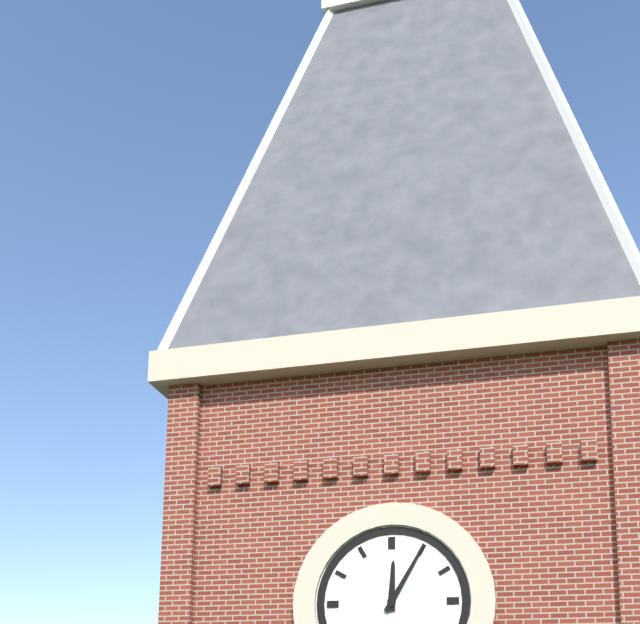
h=12 m=5
